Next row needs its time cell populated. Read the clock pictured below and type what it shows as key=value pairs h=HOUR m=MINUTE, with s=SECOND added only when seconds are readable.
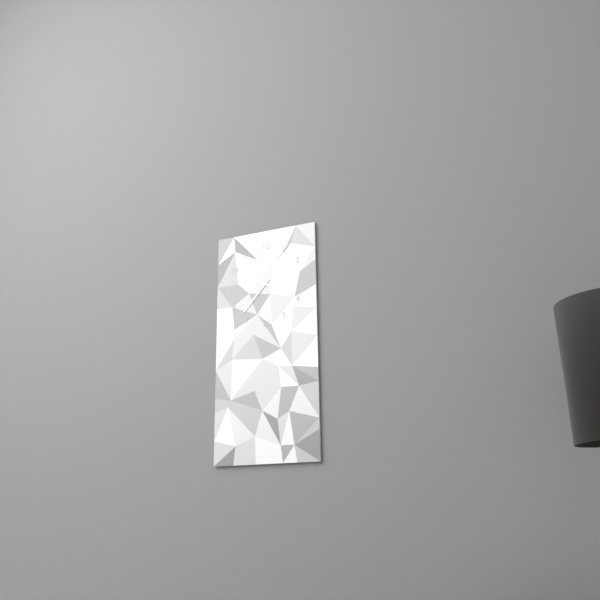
h=3 m=37
